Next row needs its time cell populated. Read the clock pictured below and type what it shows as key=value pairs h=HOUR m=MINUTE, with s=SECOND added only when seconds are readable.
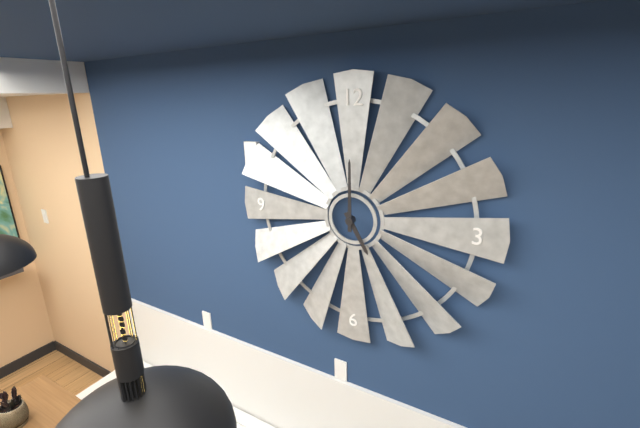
h=5 m=0
